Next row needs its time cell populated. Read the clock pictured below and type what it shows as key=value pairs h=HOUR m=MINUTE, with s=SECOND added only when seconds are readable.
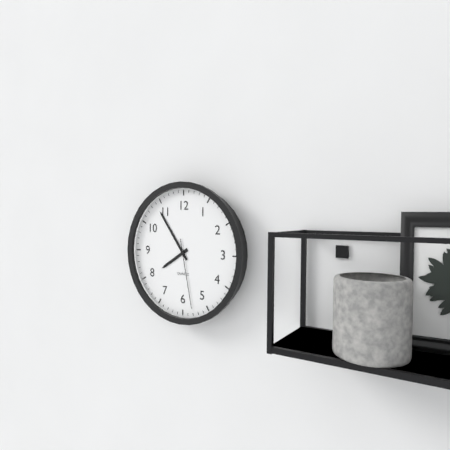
h=7 m=54 s=28
